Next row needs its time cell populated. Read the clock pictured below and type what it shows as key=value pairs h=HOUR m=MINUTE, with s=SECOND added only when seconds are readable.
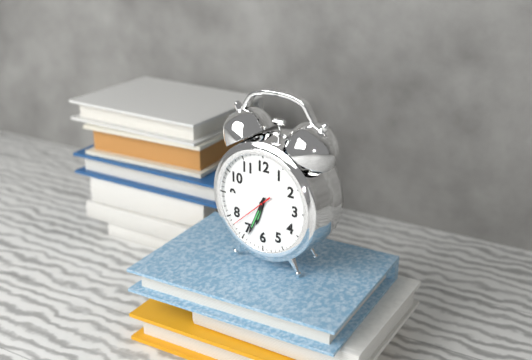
h=6 m=34
